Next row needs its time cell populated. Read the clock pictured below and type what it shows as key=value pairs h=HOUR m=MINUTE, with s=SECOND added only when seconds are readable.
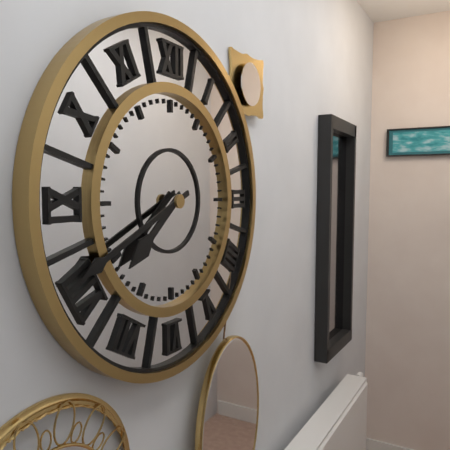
h=7 m=41
